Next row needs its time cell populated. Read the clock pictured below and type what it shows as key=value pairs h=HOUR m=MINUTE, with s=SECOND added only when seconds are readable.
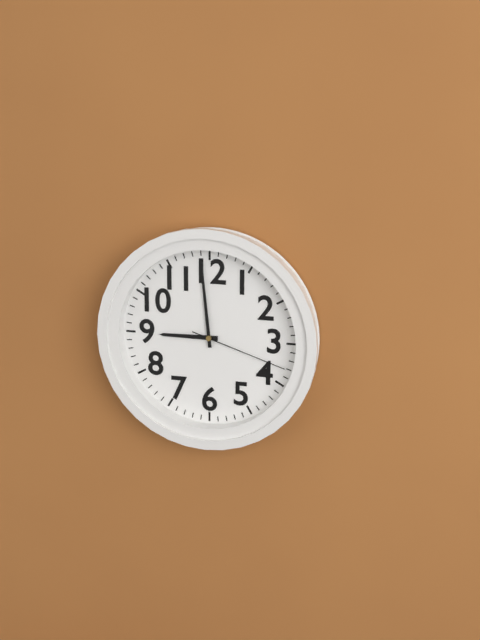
h=8 m=59 s=18
